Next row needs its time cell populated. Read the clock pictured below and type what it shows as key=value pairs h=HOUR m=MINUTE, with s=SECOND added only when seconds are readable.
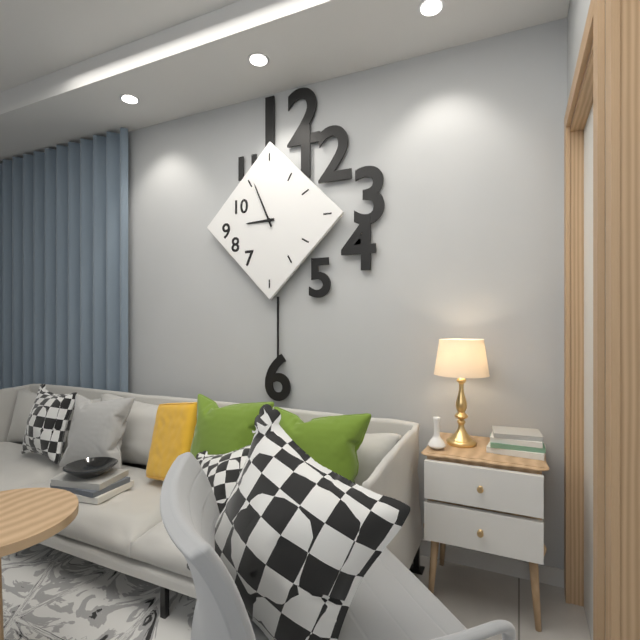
h=8 m=56
